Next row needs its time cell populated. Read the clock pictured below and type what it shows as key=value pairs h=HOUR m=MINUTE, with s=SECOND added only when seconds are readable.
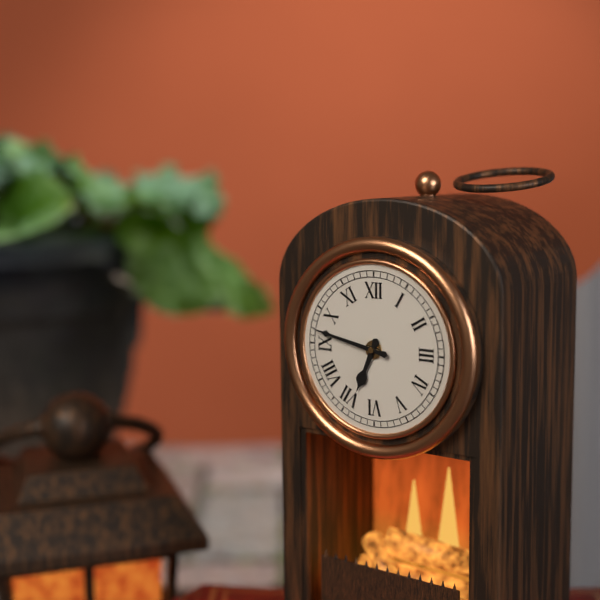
h=6 m=47
